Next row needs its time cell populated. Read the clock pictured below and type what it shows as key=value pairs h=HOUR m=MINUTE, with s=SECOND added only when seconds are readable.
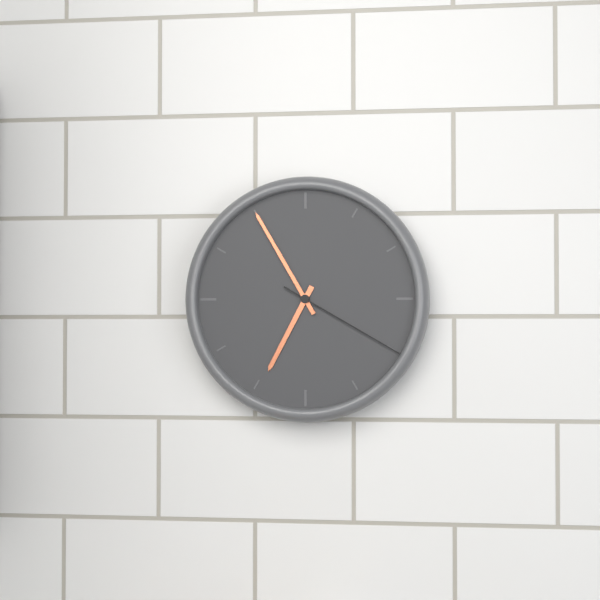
h=6 m=55 s=20
